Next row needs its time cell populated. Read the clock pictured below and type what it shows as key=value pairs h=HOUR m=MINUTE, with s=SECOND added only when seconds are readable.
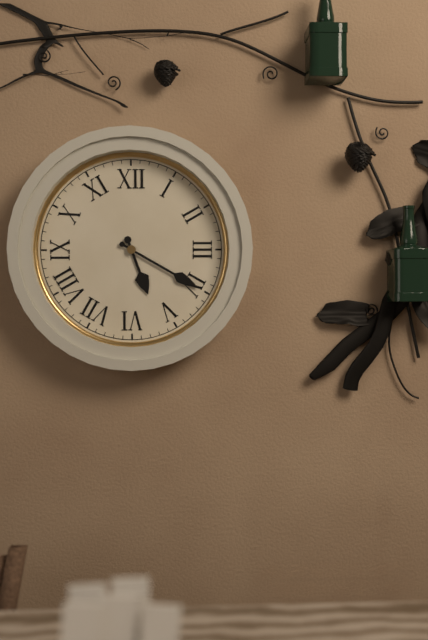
h=5 m=20
